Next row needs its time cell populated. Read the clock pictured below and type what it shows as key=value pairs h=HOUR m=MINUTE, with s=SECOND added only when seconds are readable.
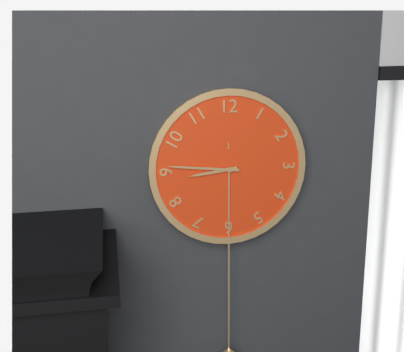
h=8 m=46
